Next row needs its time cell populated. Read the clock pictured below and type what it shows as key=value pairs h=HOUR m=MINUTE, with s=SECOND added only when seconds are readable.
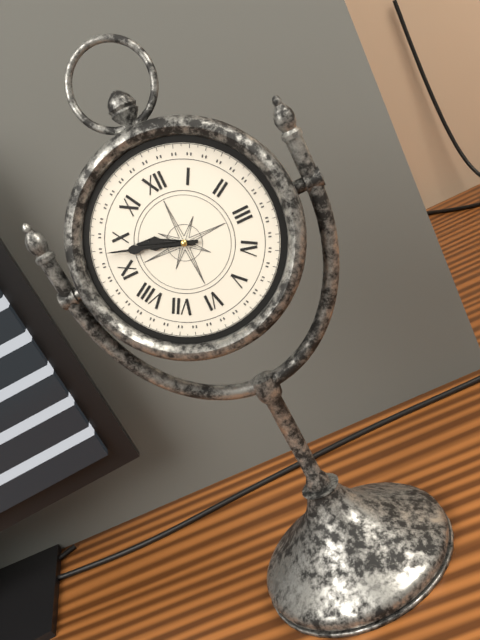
h=9 m=48
